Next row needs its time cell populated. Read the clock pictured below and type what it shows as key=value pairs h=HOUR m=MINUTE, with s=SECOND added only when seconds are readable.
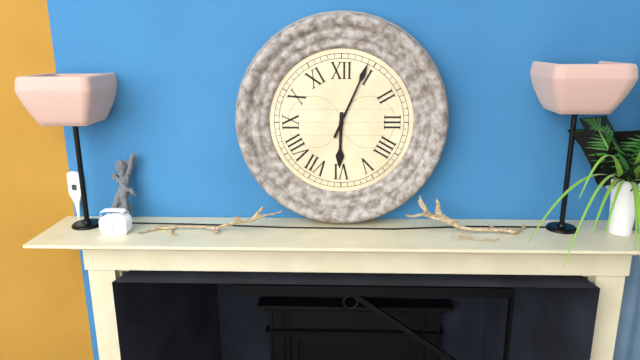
h=6 m=4
